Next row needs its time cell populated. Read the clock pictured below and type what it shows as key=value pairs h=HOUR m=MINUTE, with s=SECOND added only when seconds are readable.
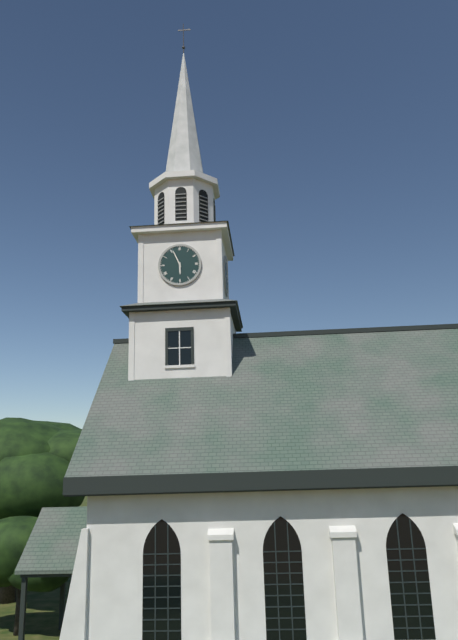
h=5 m=56
